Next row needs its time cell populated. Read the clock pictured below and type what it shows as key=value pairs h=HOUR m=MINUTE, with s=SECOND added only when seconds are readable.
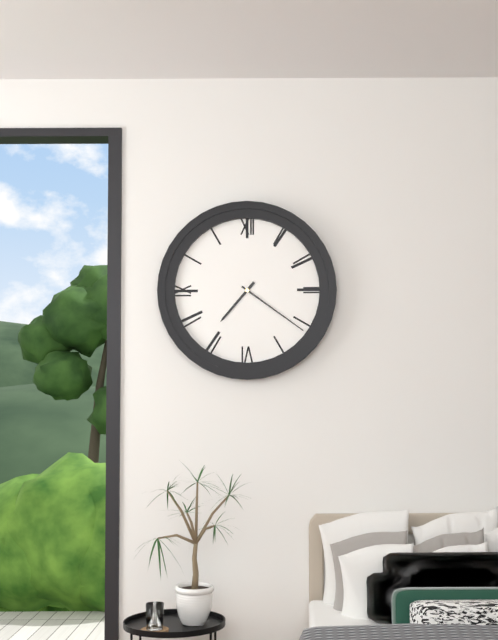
h=7 m=21
